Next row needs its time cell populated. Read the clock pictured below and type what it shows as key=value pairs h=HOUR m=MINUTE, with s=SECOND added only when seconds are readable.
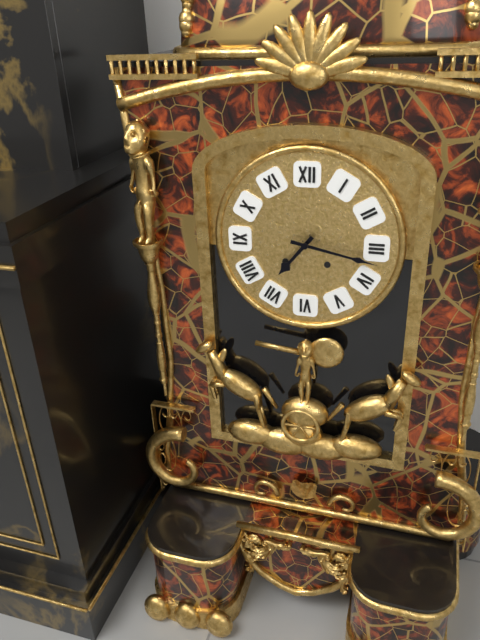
h=7 m=17
